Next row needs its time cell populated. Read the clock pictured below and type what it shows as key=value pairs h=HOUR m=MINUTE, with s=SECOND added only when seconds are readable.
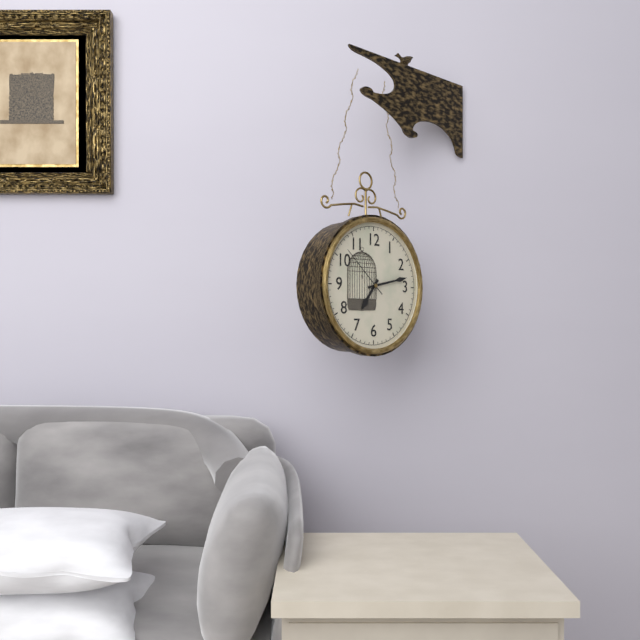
h=7 m=13 s=52
